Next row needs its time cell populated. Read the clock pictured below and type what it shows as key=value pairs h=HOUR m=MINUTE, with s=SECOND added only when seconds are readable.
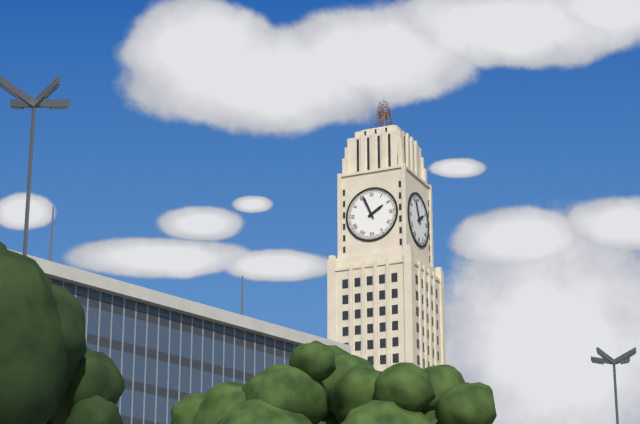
h=1 m=56
